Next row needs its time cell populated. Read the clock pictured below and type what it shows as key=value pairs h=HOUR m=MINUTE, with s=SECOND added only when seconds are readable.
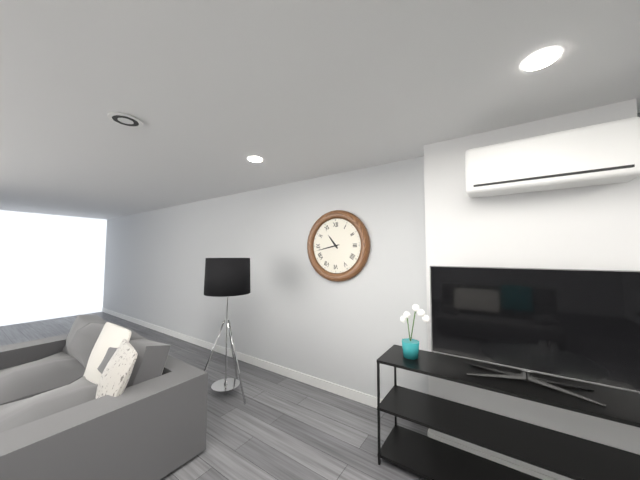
h=10 m=43
